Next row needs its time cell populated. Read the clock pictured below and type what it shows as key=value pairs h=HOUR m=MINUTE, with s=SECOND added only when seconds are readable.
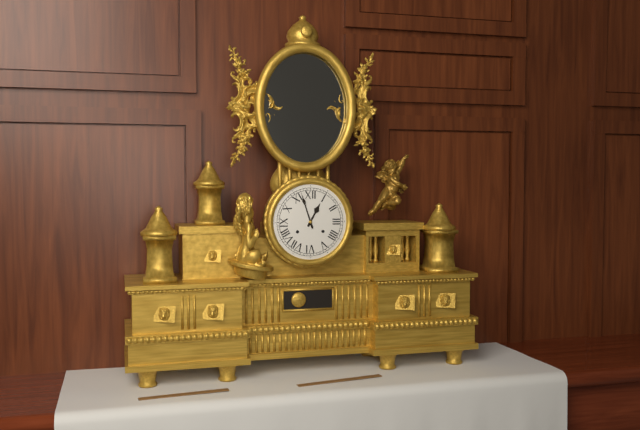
h=12 m=57
